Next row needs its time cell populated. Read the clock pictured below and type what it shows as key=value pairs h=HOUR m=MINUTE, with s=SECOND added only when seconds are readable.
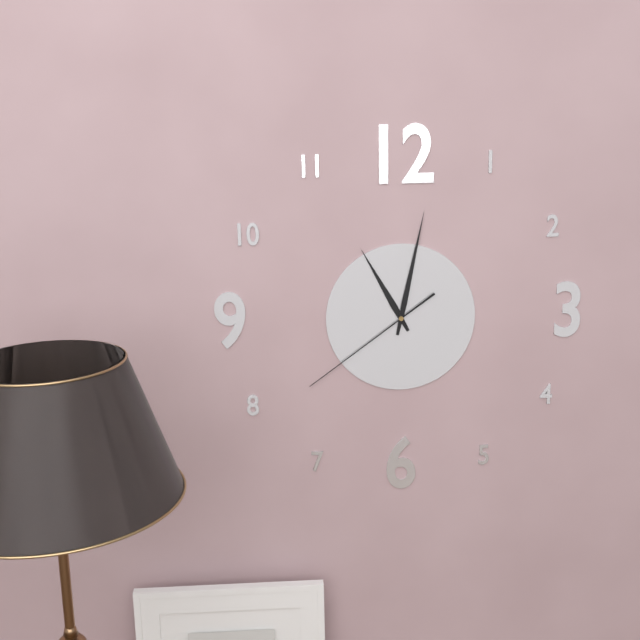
h=11 m=2 s=39
